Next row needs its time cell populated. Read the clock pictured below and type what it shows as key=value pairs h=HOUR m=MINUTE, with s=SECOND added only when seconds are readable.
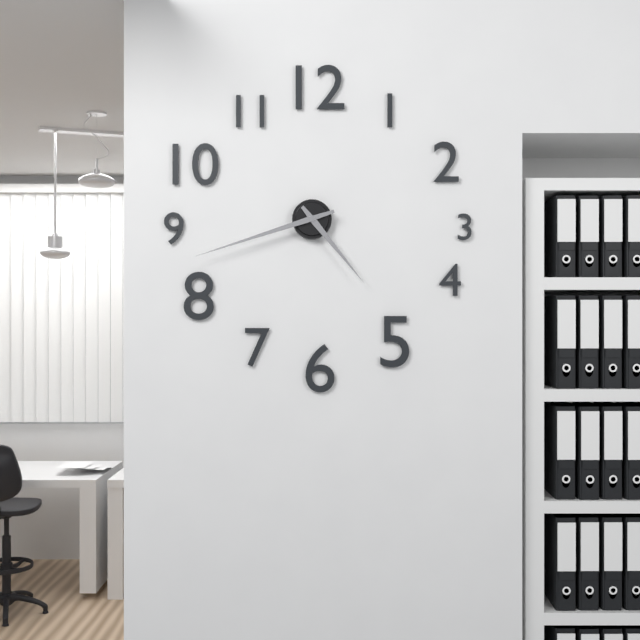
h=4 m=42
